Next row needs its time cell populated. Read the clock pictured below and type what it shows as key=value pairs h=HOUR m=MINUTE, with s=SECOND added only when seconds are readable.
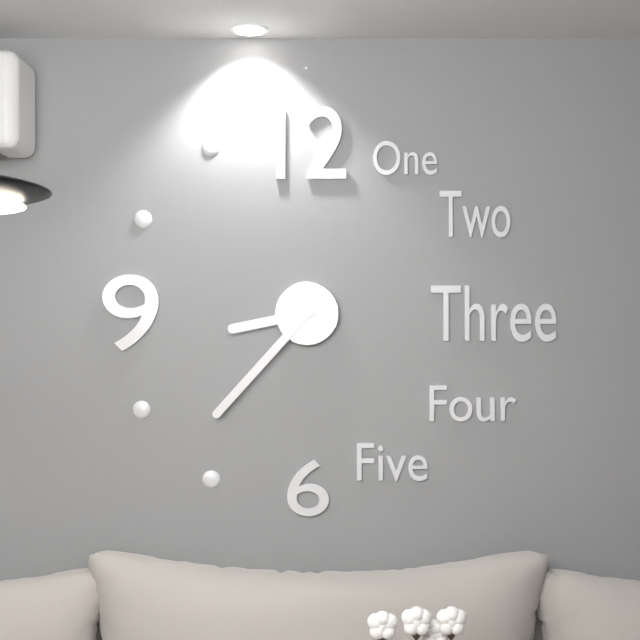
h=8 m=37
